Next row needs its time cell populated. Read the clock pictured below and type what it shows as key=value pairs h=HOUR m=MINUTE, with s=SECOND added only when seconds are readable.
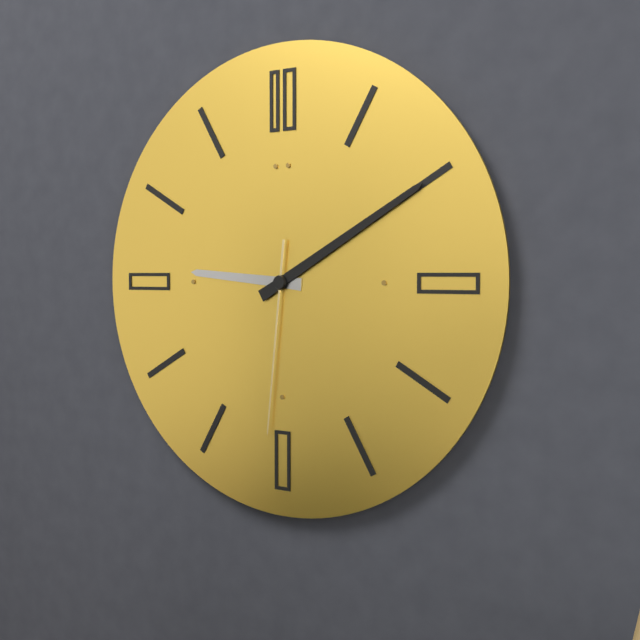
h=9 m=10 s=31
